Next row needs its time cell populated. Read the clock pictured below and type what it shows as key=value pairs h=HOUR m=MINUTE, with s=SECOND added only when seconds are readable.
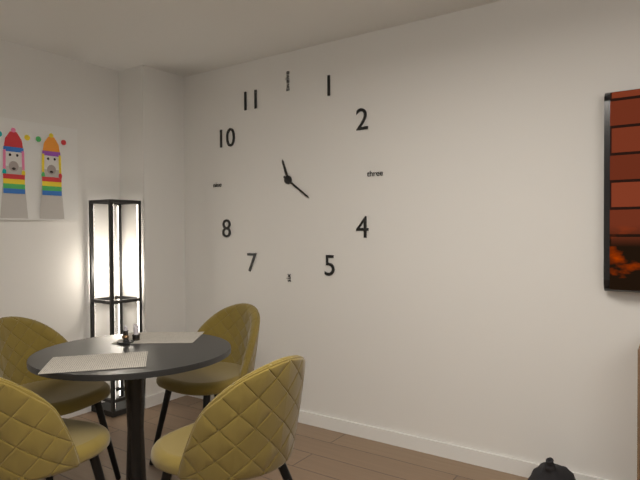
h=11 m=21
